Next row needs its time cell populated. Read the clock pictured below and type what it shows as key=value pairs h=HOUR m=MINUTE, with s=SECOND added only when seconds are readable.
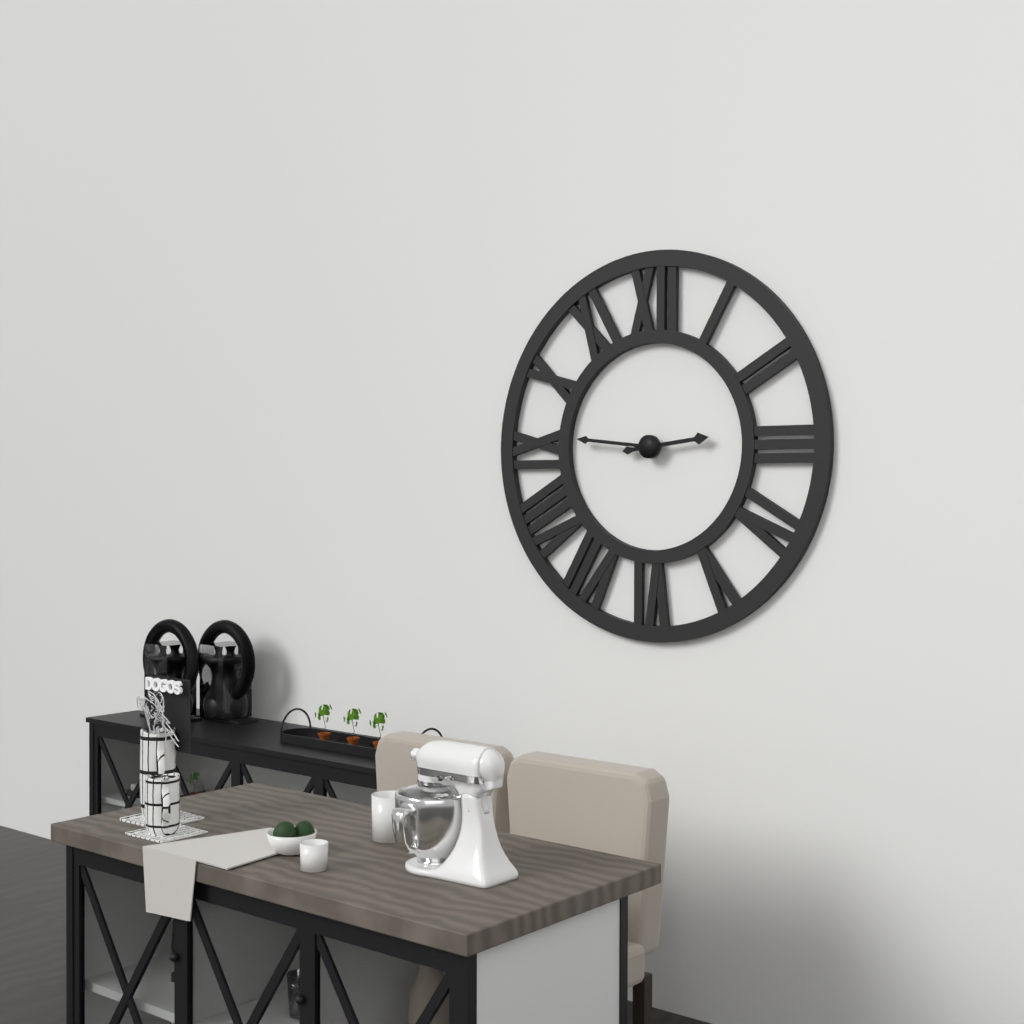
h=2 m=46
